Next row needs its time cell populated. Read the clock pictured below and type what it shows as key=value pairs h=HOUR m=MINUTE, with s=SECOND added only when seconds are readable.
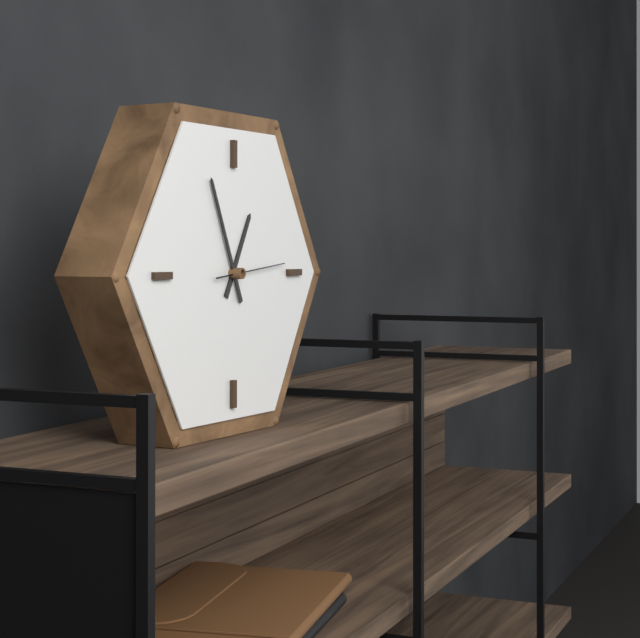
h=12 m=56 s=14
